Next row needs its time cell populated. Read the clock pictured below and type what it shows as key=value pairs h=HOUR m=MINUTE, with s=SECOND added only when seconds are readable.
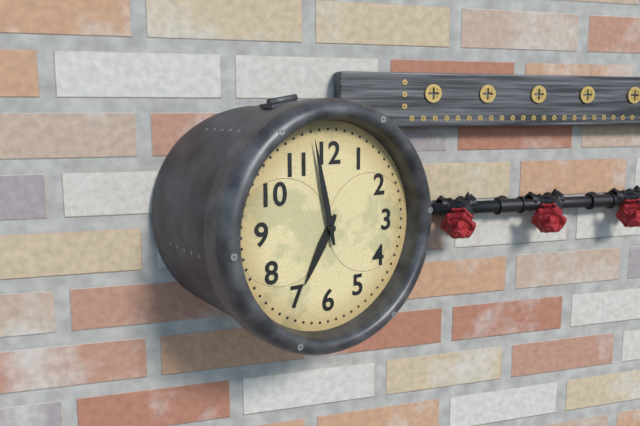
h=6 m=58
